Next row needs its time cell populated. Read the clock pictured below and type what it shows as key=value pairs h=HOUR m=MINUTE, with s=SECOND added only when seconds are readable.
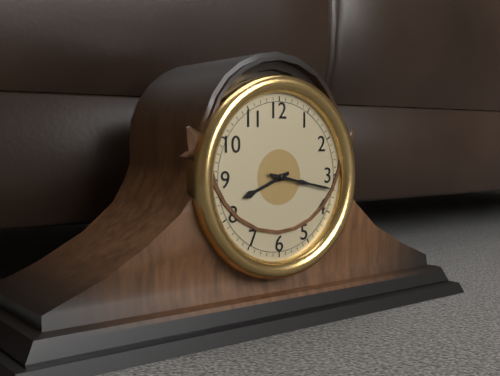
h=8 m=17
